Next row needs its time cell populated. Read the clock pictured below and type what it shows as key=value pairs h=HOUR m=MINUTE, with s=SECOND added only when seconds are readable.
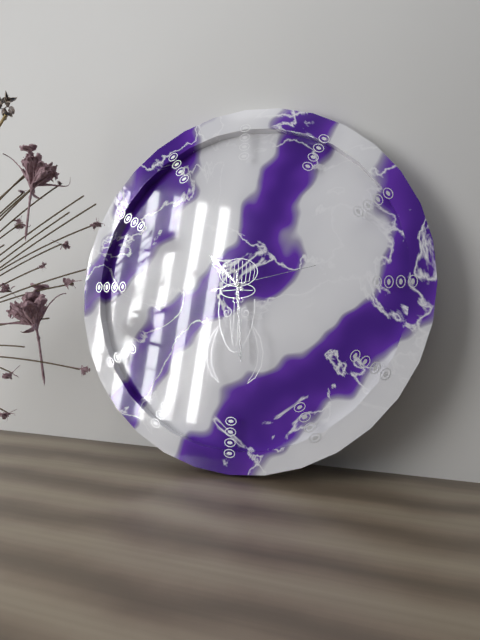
h=10 m=29 s=13
